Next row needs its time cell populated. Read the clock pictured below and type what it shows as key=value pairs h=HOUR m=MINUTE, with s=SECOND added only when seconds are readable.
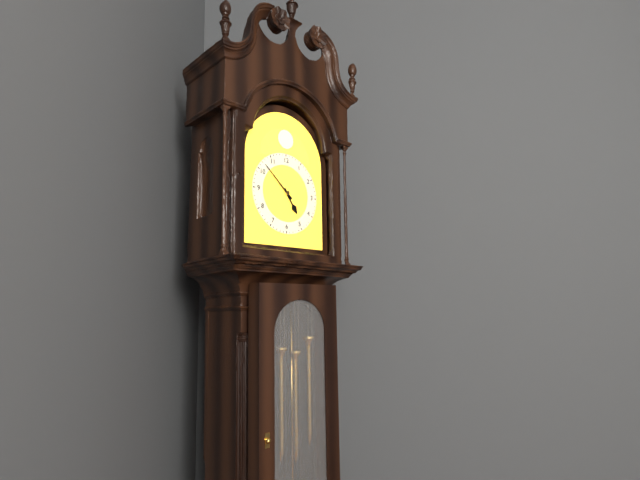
h=4 m=52
